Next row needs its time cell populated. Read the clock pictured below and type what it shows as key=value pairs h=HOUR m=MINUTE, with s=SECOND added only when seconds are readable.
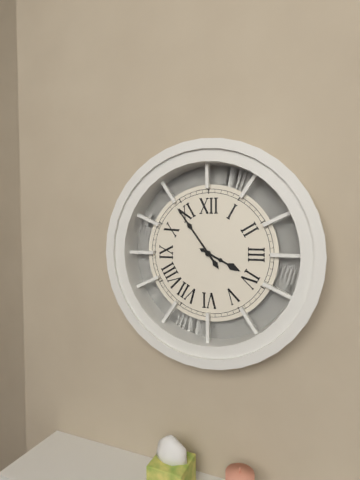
h=3 m=54
